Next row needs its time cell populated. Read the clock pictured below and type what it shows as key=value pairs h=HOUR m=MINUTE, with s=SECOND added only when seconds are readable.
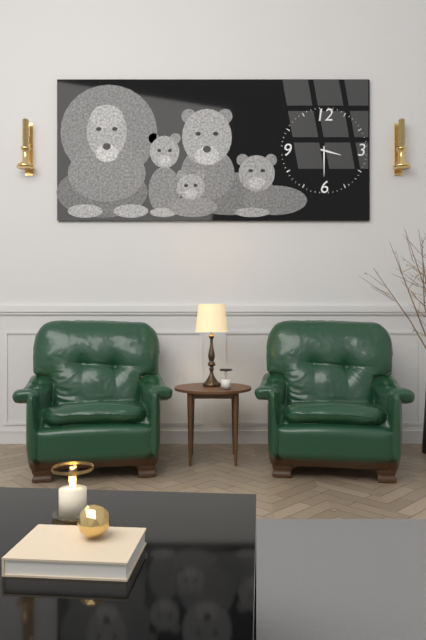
h=3 m=30
